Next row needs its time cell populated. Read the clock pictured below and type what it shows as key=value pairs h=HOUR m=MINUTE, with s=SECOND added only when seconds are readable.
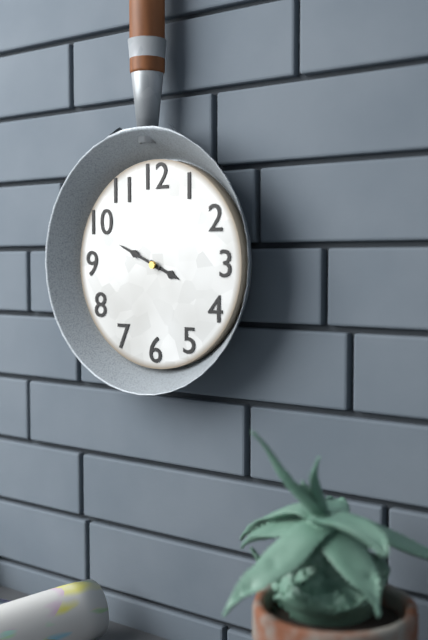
h=3 m=49
